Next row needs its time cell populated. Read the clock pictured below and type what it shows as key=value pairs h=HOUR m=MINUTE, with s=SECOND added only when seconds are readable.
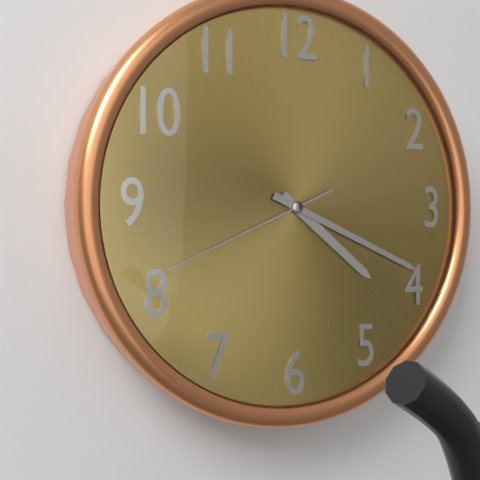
h=4 m=19 s=41
